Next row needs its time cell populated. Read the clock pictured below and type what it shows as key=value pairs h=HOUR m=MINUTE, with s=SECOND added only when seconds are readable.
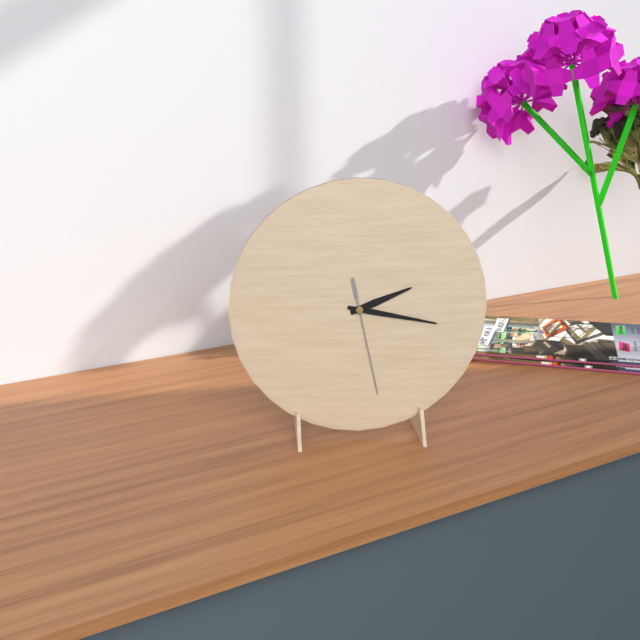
h=2 m=17 s=28
